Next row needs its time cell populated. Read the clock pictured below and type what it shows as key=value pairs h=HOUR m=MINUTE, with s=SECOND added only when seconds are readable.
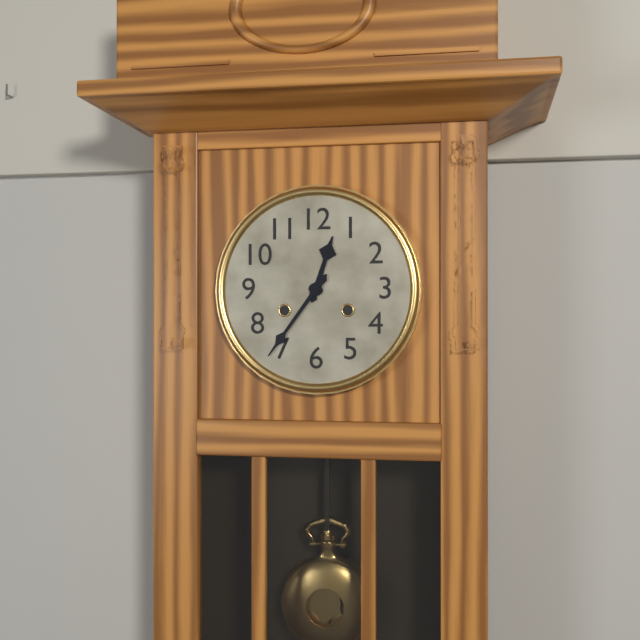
h=12 m=36
